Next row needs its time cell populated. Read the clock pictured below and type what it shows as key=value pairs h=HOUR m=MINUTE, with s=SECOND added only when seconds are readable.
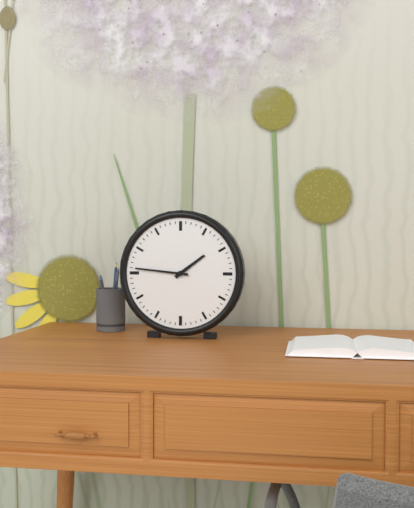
h=1 m=46
